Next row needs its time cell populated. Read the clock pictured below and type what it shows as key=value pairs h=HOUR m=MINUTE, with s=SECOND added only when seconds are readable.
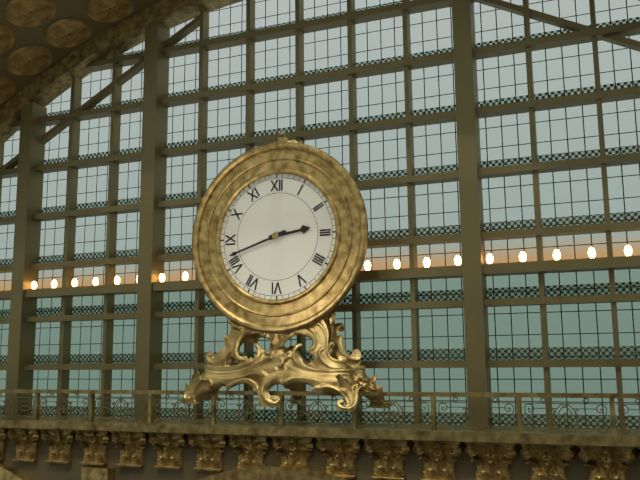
h=2 m=42
